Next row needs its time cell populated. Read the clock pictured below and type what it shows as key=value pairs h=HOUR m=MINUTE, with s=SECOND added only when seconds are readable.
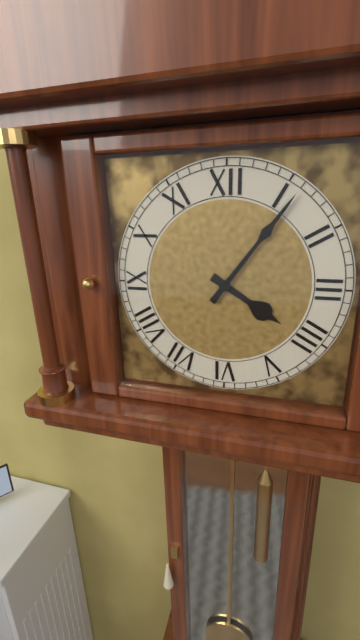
h=4 m=6
